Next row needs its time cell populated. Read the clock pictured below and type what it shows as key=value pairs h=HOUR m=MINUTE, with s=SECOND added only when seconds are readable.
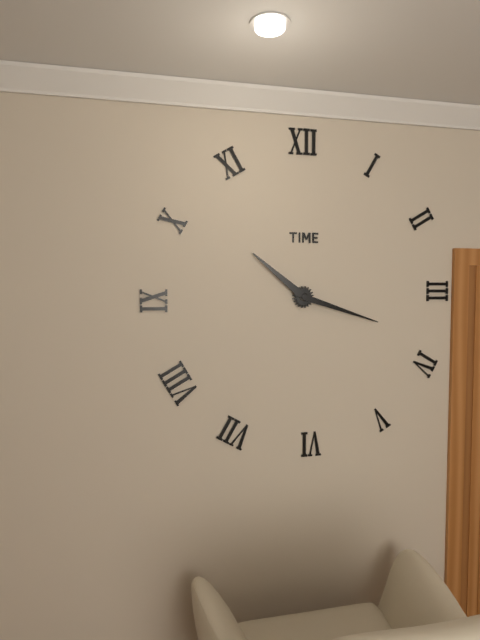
h=10 m=18
